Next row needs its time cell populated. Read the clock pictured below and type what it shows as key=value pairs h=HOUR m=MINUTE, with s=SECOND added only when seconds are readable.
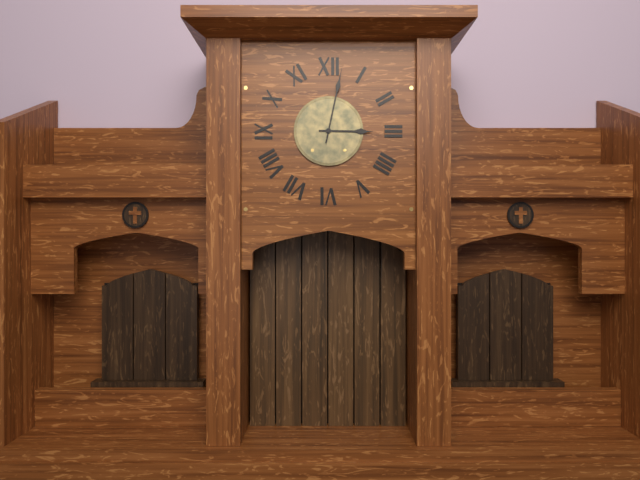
h=3 m=2
